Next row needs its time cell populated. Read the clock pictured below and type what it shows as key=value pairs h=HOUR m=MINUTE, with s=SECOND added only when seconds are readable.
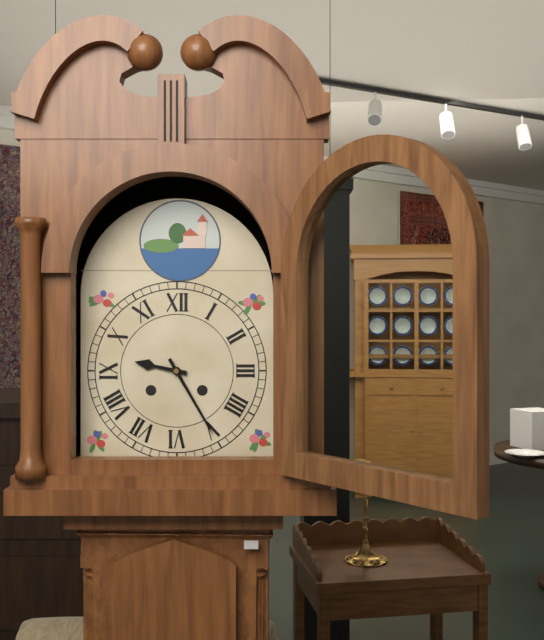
h=9 m=25
